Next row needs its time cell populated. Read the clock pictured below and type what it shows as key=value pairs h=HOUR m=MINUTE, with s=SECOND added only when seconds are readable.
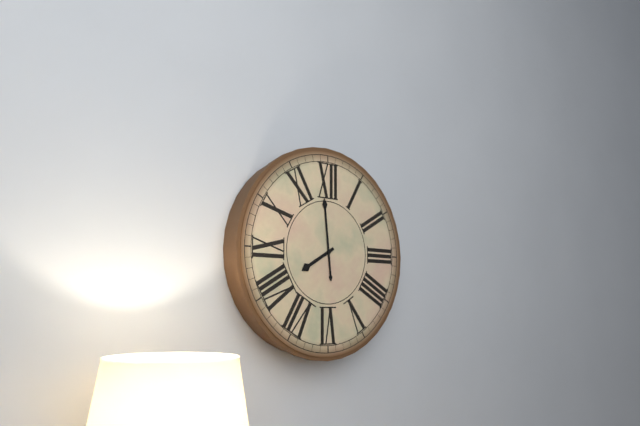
h=7 m=59
